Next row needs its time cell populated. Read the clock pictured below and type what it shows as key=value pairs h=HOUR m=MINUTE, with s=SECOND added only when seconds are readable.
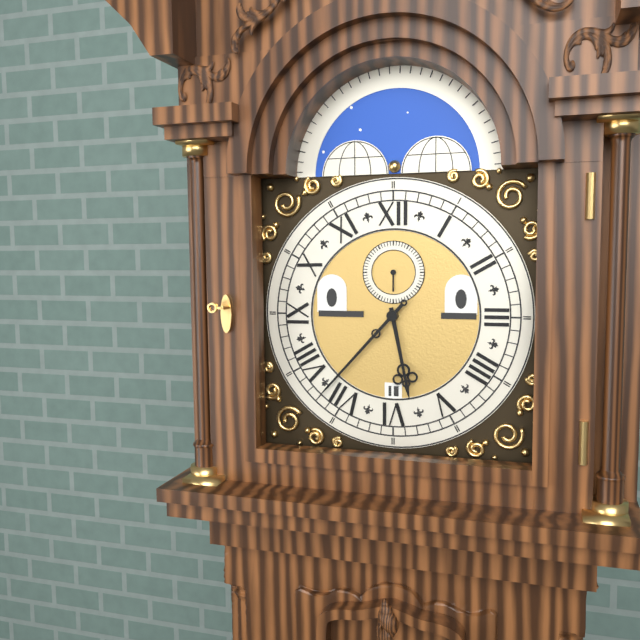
h=5 m=37
